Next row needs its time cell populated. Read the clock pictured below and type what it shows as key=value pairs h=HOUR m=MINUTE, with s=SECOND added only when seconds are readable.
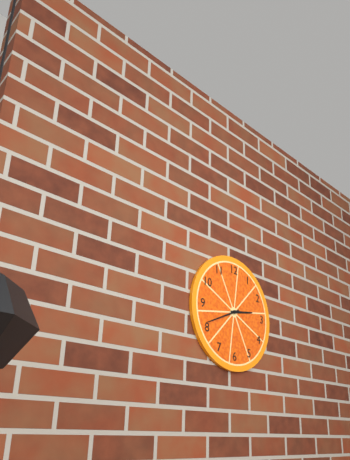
h=2 m=41
